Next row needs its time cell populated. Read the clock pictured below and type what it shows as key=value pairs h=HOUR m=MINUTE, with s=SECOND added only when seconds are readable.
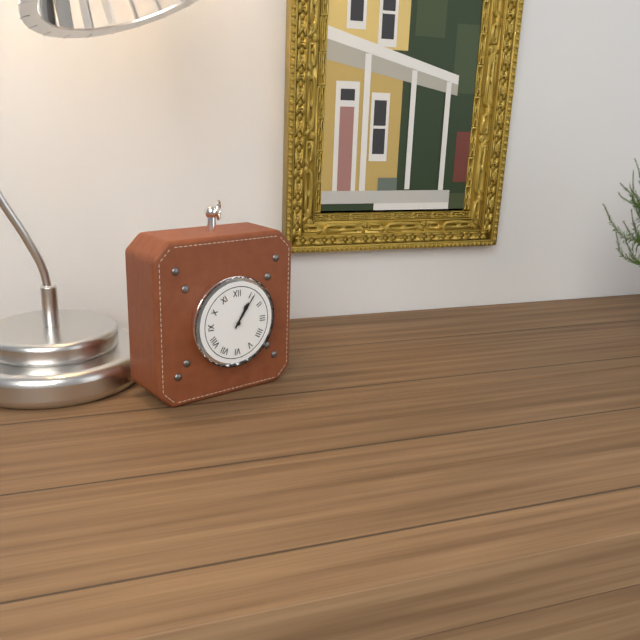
h=1 m=6
